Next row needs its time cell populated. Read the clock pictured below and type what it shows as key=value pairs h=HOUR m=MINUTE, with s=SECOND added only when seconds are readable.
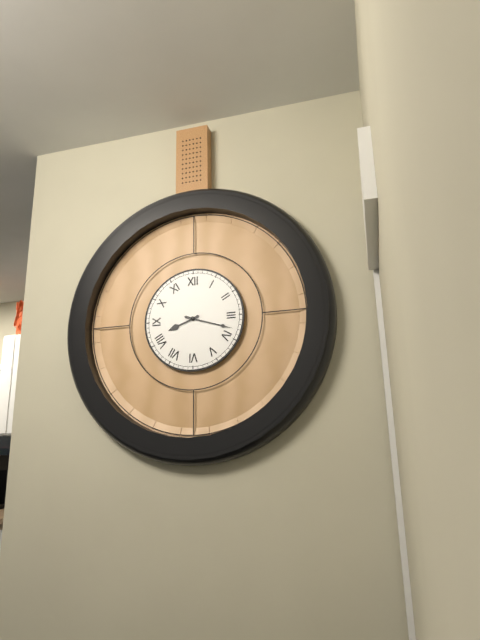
h=8 m=18
